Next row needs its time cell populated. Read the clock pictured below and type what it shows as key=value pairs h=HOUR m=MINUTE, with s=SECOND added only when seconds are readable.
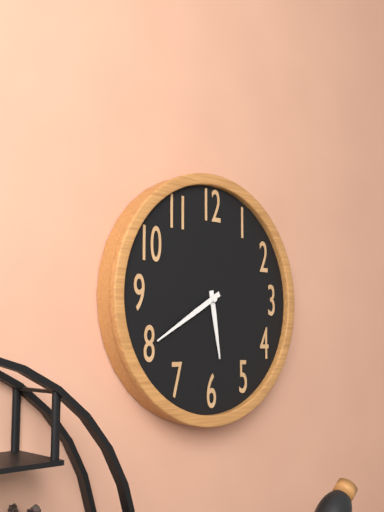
h=5 m=40
